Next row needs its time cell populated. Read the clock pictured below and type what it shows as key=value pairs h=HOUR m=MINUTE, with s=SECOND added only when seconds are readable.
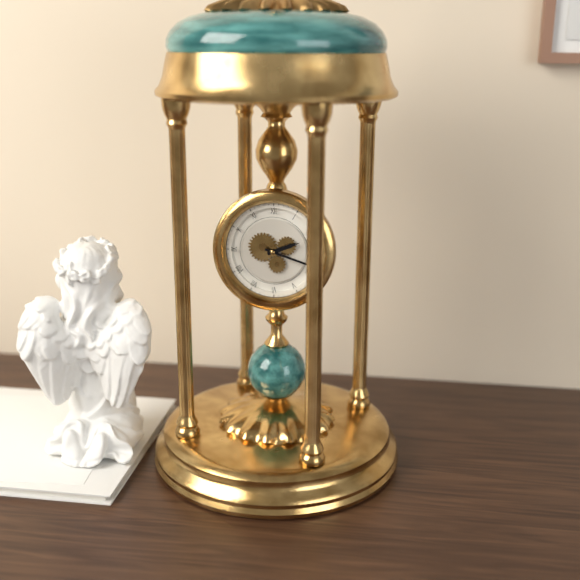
h=2 m=18
